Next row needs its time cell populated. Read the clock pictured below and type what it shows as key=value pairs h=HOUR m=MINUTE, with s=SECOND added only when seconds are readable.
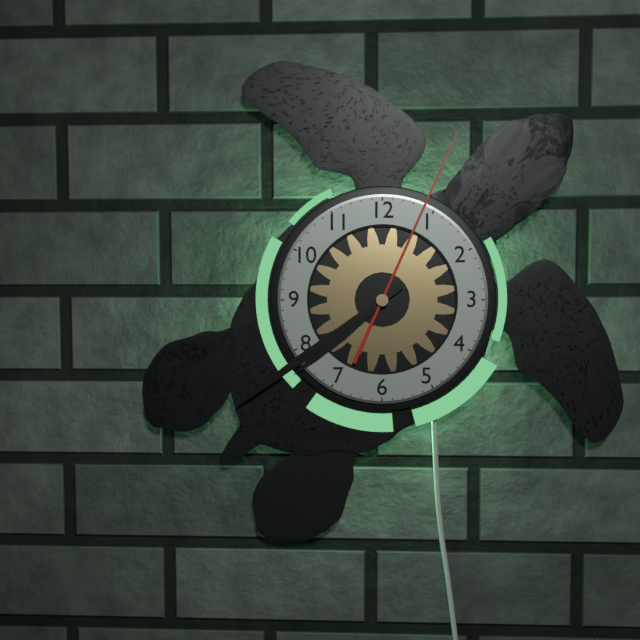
h=7 m=39 s=4
